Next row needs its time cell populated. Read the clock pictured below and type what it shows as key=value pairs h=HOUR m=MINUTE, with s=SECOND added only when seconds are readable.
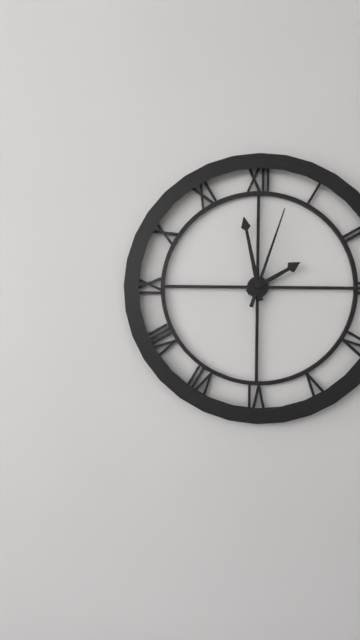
h=1 m=58 s=3
